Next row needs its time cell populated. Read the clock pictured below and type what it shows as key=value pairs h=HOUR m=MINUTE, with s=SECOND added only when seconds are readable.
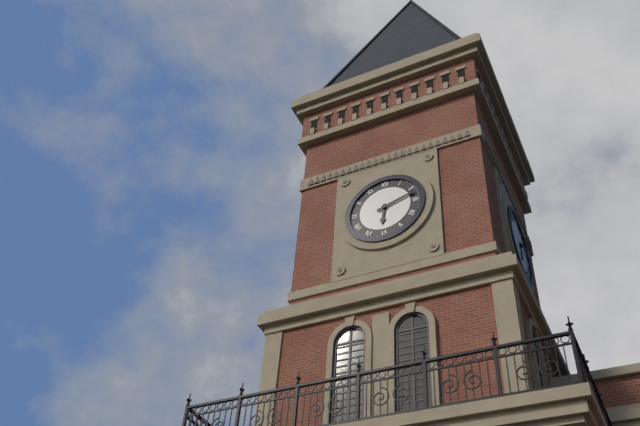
h=6 m=12
